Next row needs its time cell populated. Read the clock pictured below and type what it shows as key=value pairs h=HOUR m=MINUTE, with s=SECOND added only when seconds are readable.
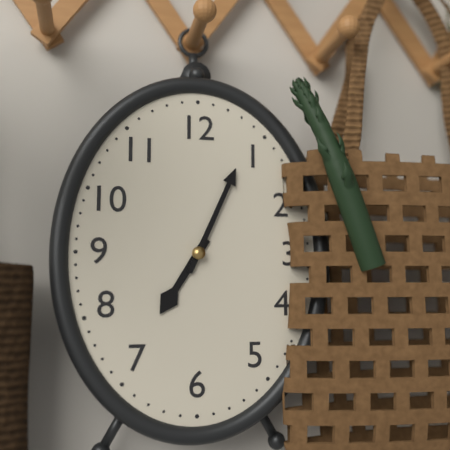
h=7 m=4
